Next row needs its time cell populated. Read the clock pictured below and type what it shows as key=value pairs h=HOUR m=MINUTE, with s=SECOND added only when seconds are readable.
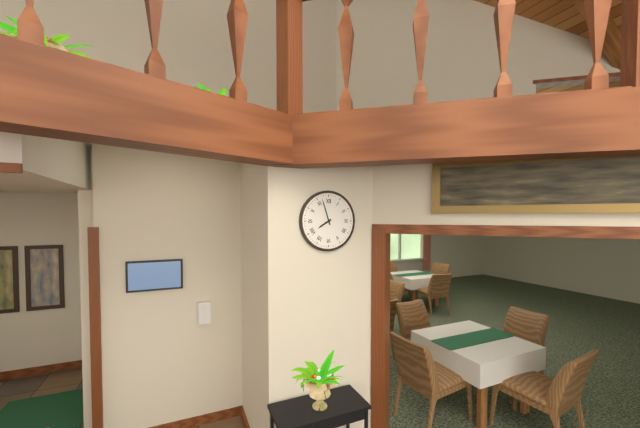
h=7 m=57
